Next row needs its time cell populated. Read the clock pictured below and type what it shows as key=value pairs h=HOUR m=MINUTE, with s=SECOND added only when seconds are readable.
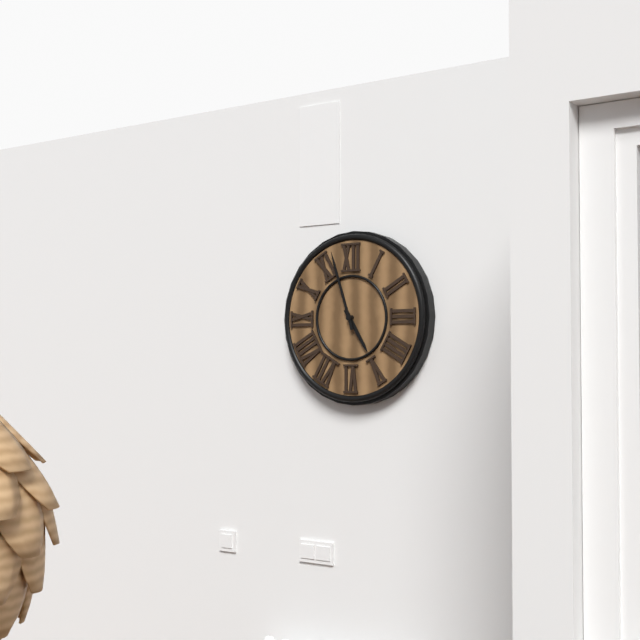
h=4 m=57
